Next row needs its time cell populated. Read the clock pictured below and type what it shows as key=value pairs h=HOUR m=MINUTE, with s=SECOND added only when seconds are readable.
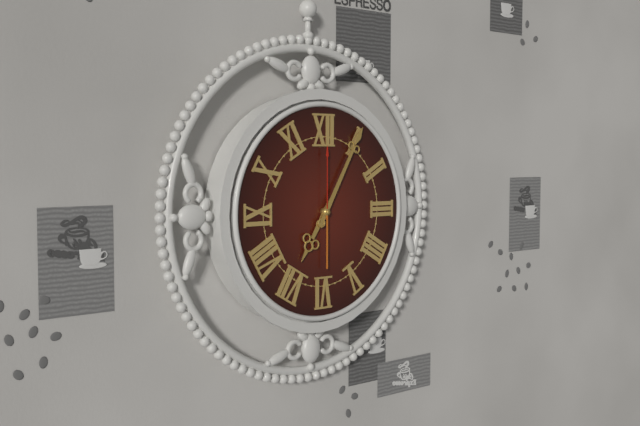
h=7 m=5 s=0
